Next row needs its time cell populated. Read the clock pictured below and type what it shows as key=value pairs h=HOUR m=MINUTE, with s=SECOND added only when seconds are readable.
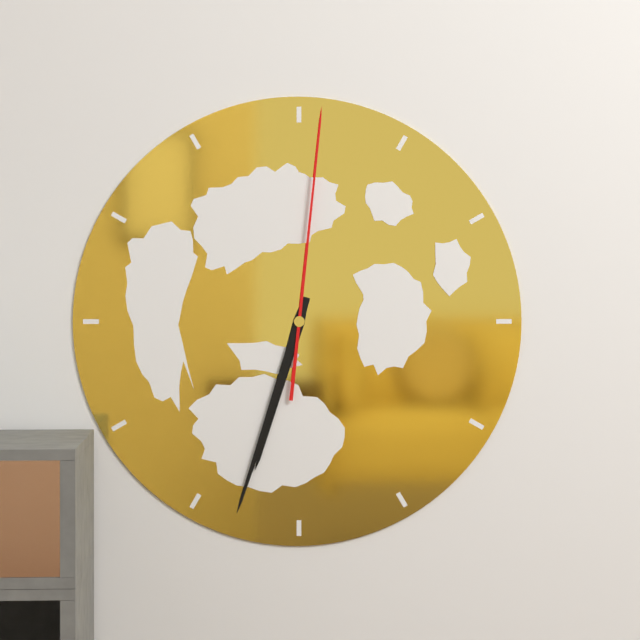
h=6 m=33 s=1
